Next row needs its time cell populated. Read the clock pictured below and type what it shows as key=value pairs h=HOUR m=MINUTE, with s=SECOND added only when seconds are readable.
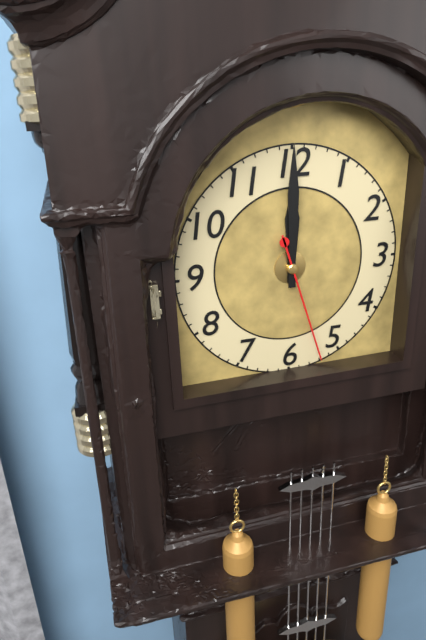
h=12 m=0 s=27
